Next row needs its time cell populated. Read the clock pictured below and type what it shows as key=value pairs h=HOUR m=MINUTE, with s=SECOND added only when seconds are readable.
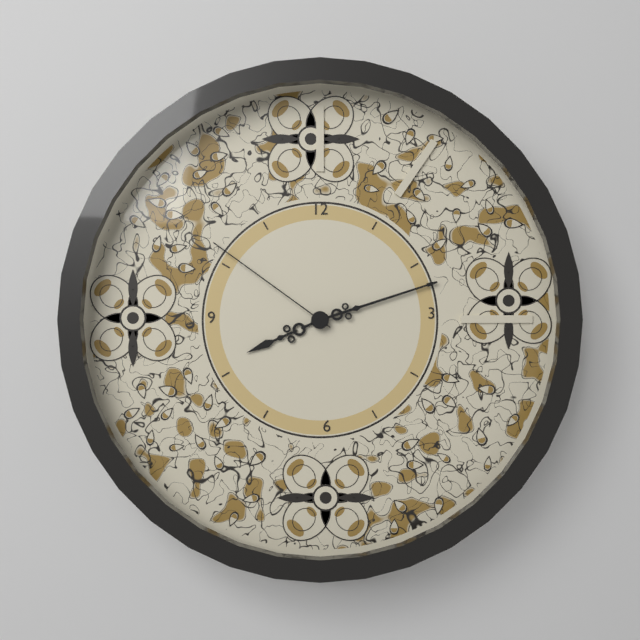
h=8 m=12 s=51
